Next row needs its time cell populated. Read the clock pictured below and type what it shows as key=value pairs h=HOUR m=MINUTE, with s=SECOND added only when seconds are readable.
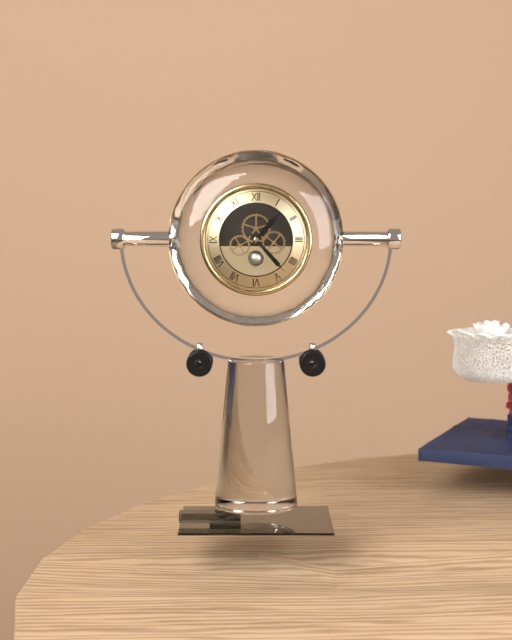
h=1 m=23
